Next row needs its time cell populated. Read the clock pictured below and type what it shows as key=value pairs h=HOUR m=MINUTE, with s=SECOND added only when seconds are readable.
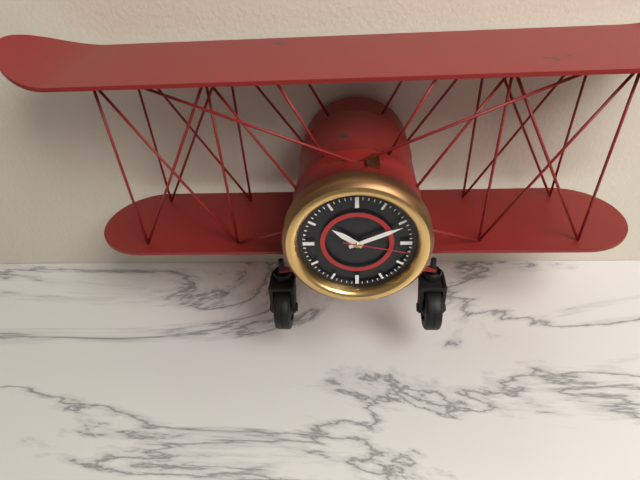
h=10 m=11 s=17
